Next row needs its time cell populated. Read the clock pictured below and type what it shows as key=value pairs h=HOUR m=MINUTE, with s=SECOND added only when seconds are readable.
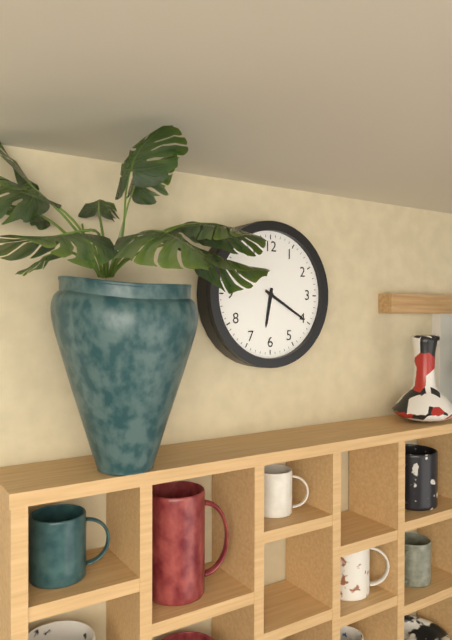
h=6 m=20
